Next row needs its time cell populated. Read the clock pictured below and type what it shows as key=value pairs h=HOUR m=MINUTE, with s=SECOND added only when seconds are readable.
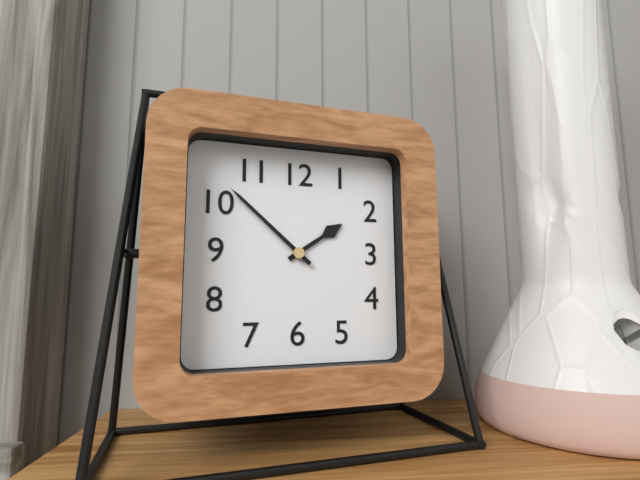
h=1 m=52
